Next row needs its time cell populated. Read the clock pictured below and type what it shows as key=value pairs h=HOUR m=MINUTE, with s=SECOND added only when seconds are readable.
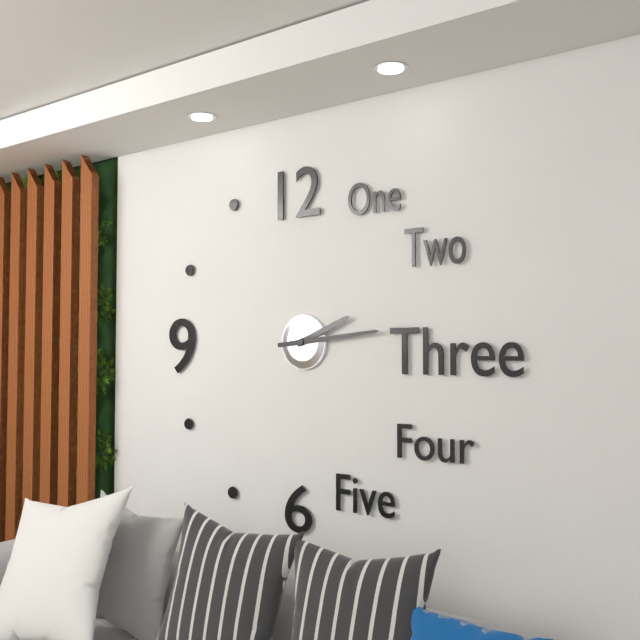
h=2 m=14
